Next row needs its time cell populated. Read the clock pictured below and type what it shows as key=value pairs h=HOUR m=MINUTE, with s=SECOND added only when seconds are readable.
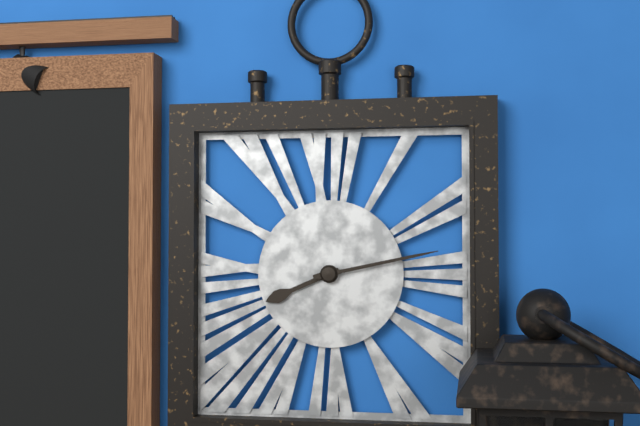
h=8 m=13
